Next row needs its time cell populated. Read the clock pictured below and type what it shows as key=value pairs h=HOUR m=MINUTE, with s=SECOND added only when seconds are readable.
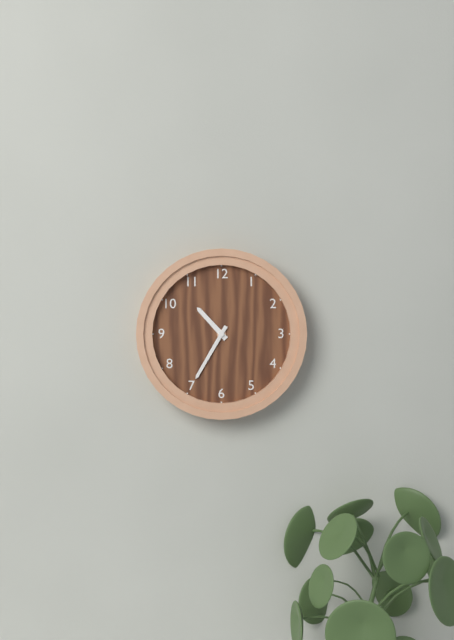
h=10 m=35
